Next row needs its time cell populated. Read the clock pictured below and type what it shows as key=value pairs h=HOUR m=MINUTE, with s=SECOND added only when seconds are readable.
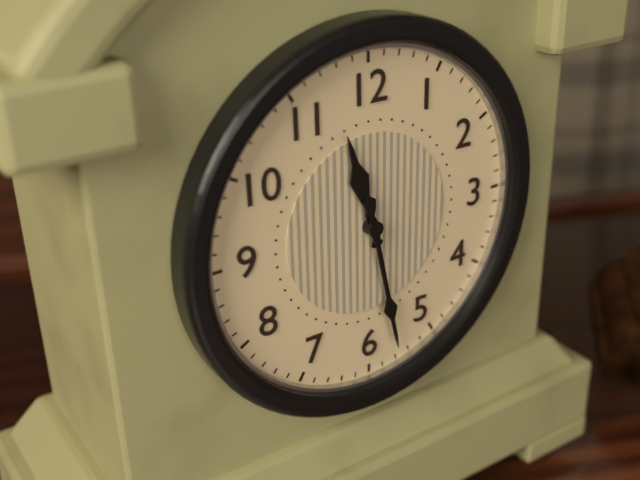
h=11 m=28
